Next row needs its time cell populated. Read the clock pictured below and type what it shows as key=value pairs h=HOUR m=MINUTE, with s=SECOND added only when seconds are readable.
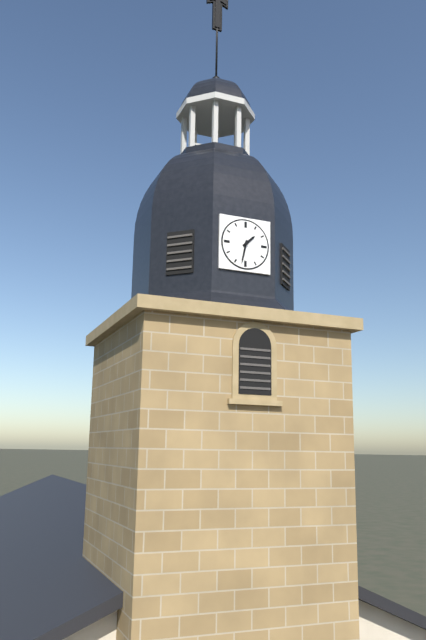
h=1 m=32
